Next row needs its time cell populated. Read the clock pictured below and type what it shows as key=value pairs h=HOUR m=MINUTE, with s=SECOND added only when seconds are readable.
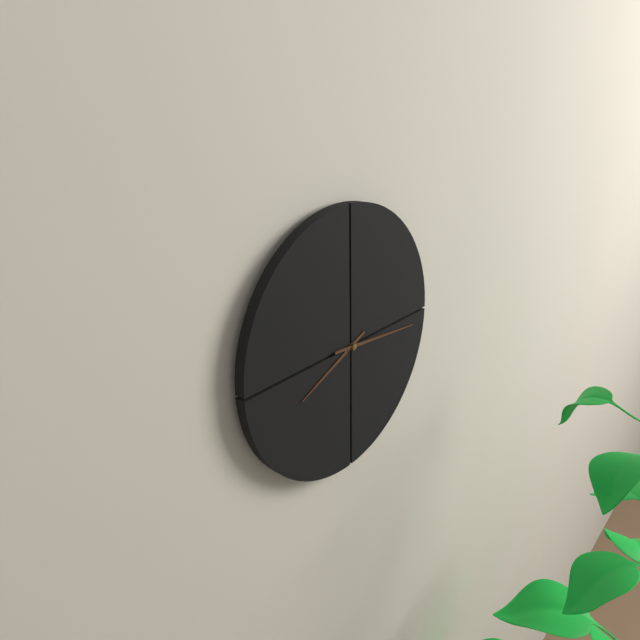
h=8 m=16
